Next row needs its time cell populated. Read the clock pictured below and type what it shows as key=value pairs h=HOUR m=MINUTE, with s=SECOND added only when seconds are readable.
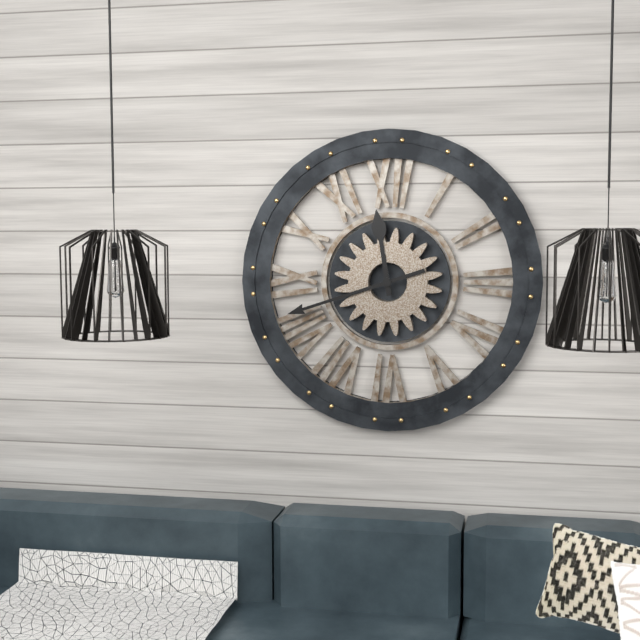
h=11 m=42
